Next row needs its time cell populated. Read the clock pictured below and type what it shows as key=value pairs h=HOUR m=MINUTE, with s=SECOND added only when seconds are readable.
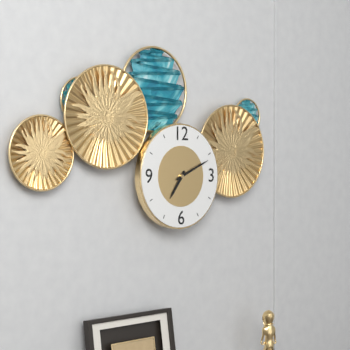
h=7 m=11
